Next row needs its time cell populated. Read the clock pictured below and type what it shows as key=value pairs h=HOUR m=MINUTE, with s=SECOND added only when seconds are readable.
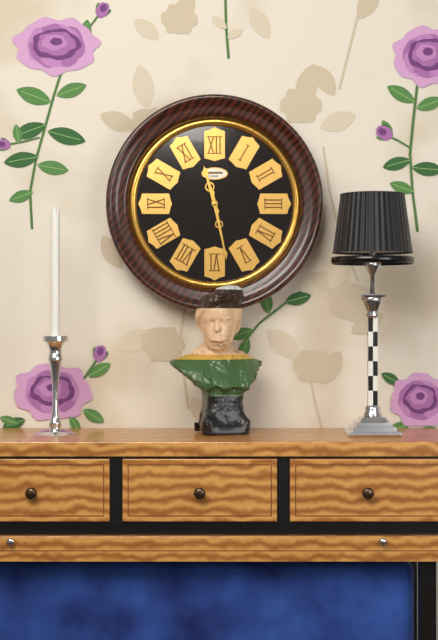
h=11 m=28
